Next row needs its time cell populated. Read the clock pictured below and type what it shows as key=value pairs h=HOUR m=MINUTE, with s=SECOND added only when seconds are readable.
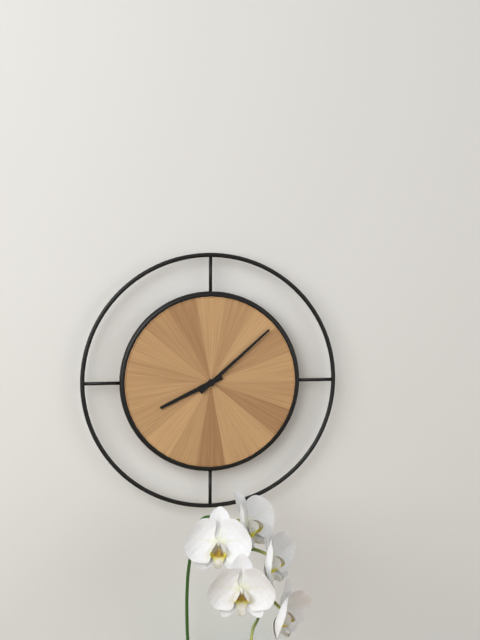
h=8 m=8
